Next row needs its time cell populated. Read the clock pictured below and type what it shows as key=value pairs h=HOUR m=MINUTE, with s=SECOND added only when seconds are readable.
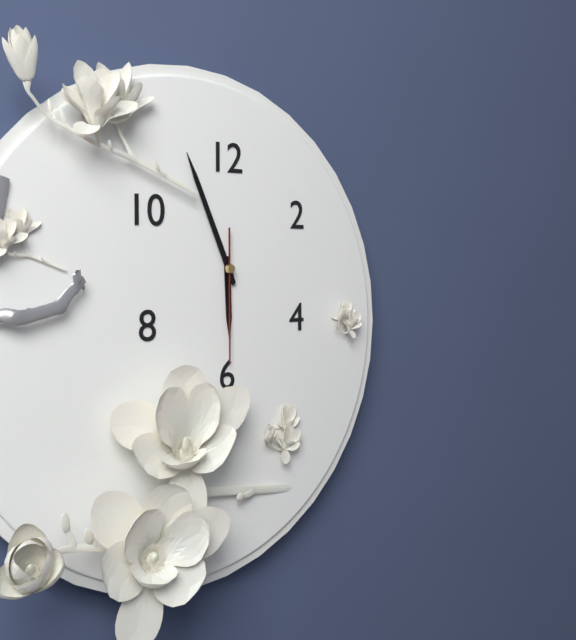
h=5 m=56 s=30
